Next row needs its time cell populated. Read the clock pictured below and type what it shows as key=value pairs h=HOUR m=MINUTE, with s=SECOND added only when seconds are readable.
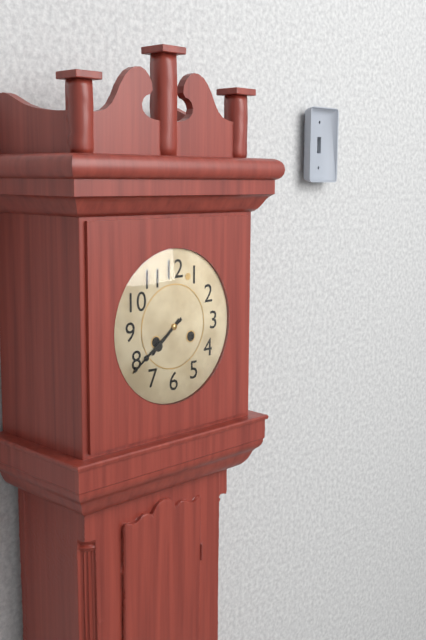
h=7 m=39
